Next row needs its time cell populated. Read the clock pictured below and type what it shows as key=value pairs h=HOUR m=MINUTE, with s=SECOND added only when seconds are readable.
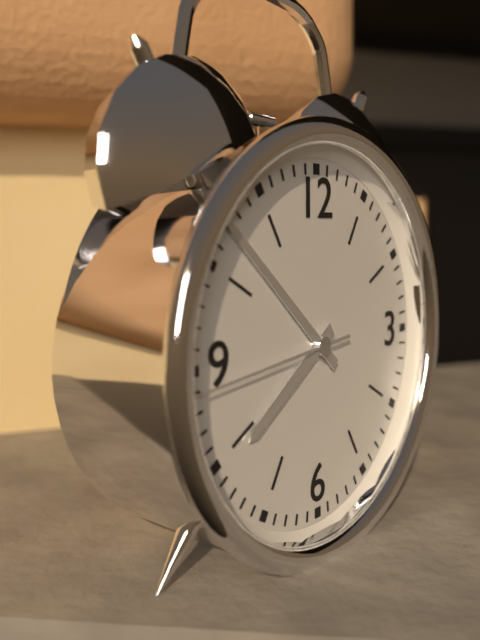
h=7 m=52 s=44
